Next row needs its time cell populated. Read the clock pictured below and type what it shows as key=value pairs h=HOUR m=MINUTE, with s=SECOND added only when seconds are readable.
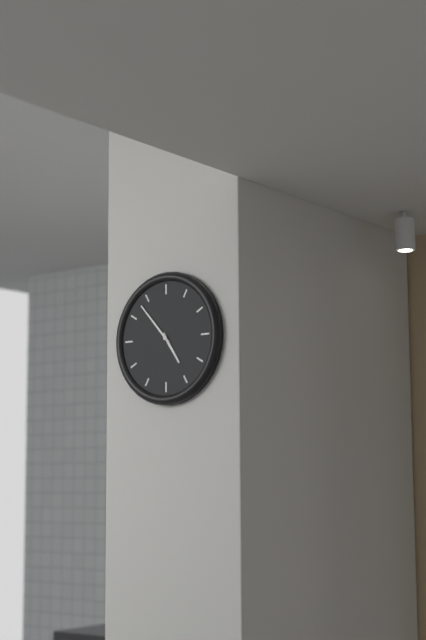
h=4 m=53
